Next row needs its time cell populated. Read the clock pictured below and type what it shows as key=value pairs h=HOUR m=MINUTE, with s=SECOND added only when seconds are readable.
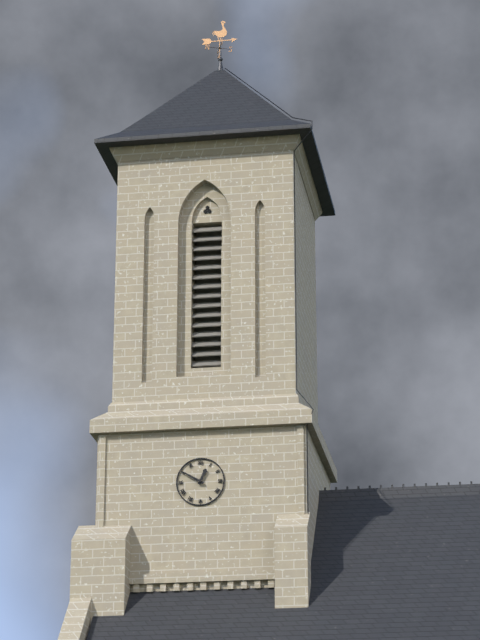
h=12 m=50
